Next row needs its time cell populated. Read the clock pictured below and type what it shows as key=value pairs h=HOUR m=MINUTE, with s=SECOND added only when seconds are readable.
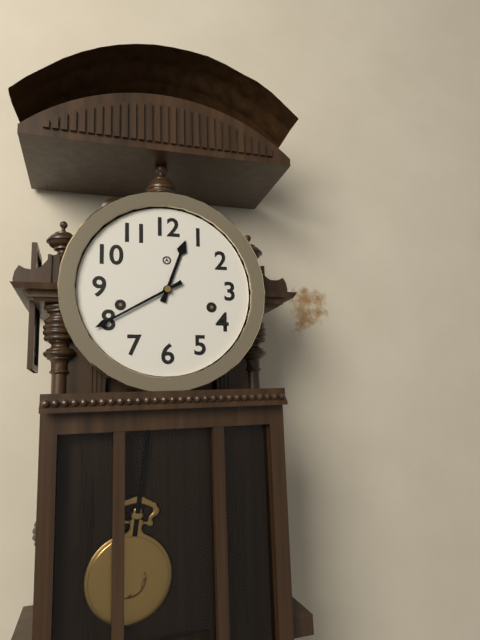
h=12 m=40
